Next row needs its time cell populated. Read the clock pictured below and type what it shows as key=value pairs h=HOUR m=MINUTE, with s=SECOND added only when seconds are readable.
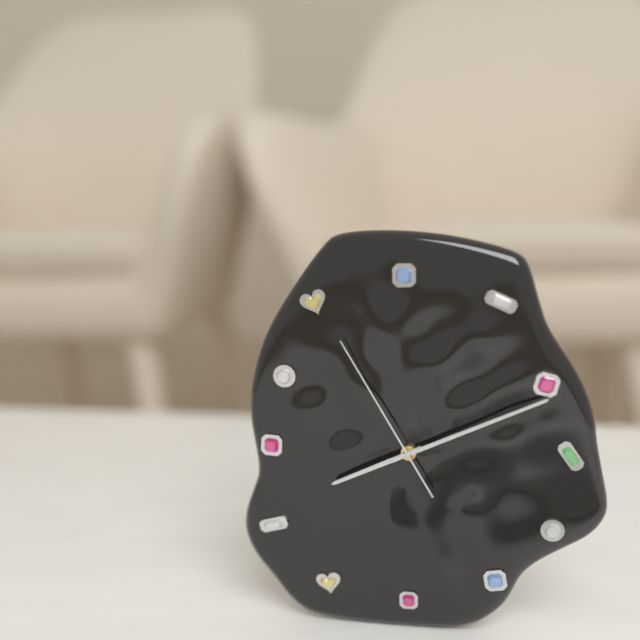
h=8 m=11 s=55
